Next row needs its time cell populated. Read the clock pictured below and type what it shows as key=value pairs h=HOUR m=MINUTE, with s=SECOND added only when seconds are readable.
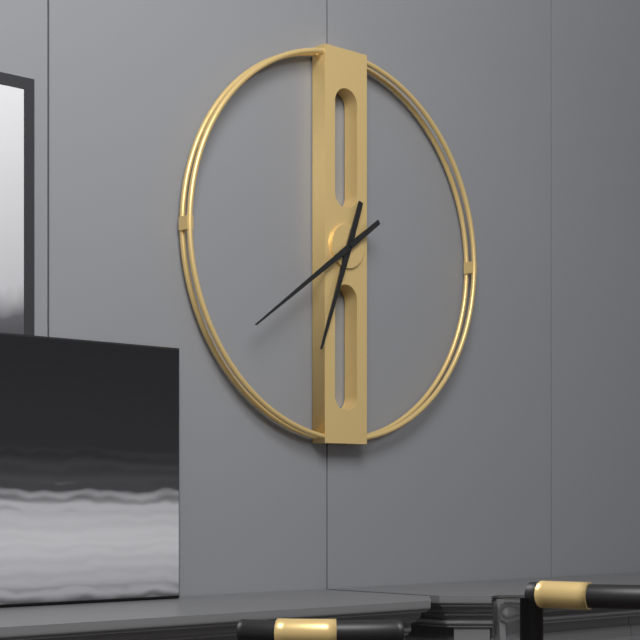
h=6 m=39
